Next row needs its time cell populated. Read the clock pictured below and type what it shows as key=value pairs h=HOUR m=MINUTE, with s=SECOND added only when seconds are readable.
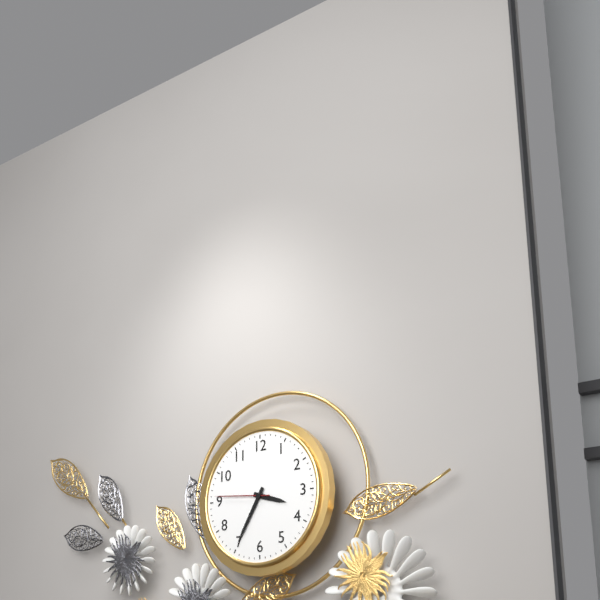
h=3 m=35 s=46
